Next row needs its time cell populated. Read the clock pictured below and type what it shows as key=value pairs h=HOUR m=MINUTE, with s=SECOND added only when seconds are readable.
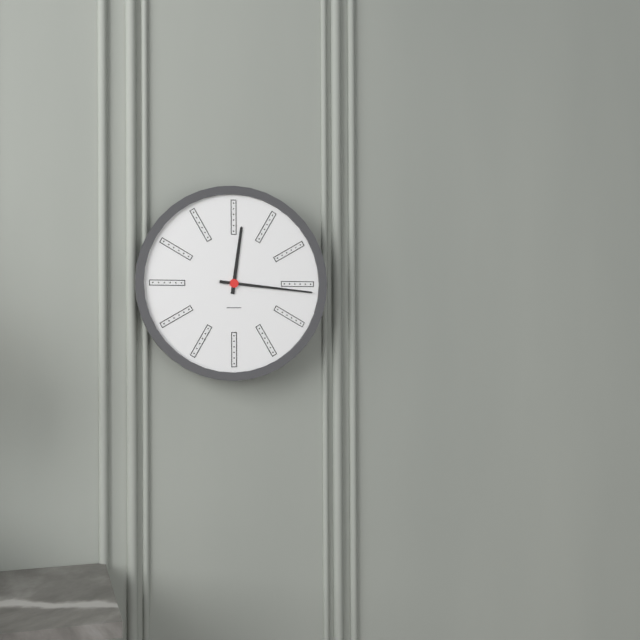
h=12 m=16
